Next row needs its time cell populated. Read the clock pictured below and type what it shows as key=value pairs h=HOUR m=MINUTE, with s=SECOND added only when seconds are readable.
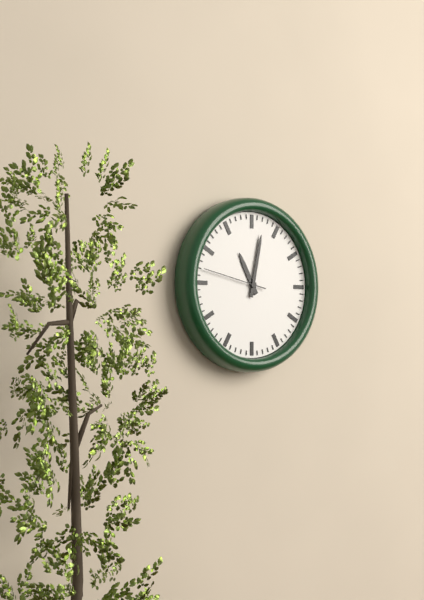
h=11 m=2 s=47
